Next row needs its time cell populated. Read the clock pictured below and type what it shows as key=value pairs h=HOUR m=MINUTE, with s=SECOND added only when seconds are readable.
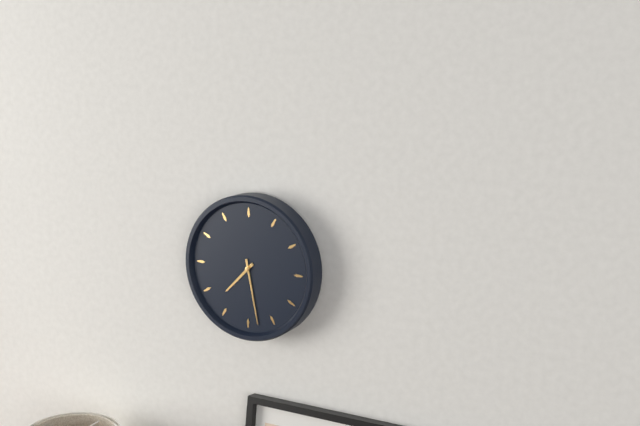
h=7 m=28
